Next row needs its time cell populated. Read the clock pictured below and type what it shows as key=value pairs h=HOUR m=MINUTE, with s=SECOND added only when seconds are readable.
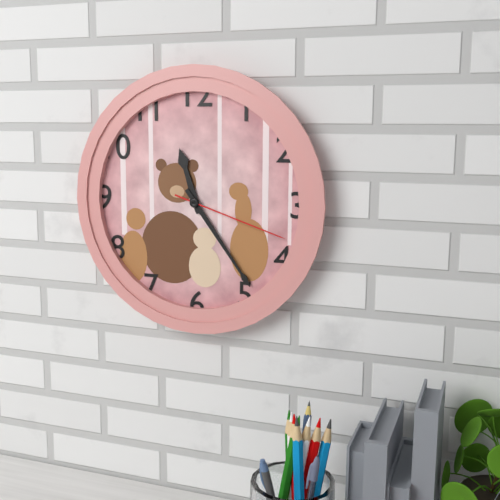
h=11 m=24 s=18
